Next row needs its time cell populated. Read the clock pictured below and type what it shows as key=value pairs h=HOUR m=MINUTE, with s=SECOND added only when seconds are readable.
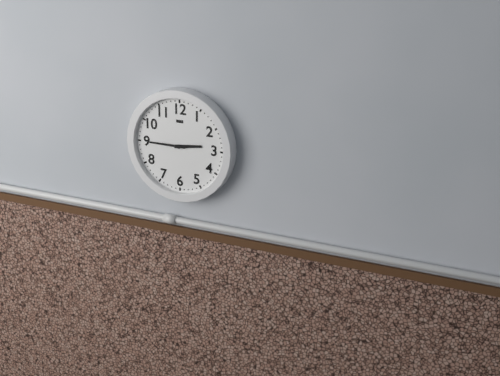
h=2 m=45
